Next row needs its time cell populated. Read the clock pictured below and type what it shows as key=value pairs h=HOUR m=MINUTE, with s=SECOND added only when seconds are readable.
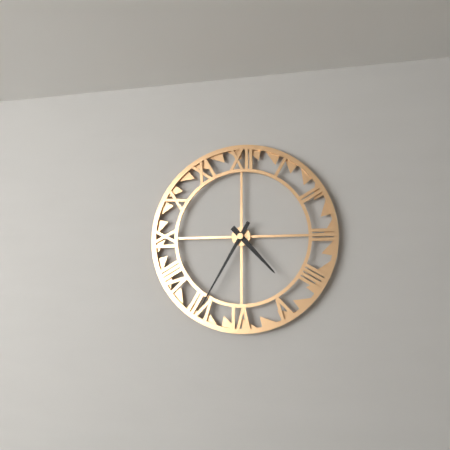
h=4 m=35
